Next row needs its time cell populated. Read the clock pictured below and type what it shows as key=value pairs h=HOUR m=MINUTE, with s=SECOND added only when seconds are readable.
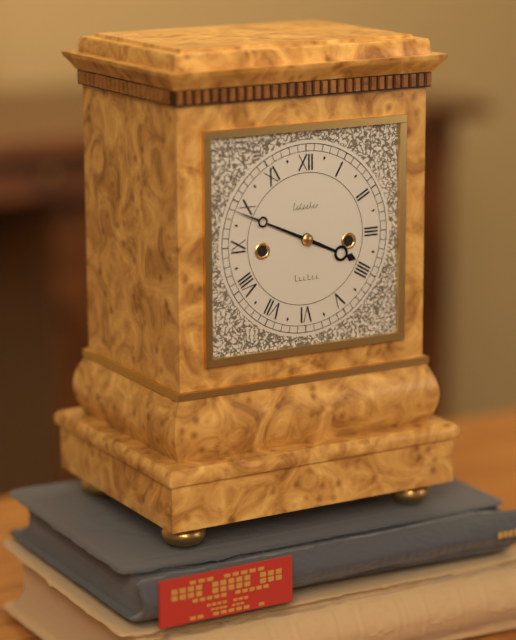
h=3 m=49
